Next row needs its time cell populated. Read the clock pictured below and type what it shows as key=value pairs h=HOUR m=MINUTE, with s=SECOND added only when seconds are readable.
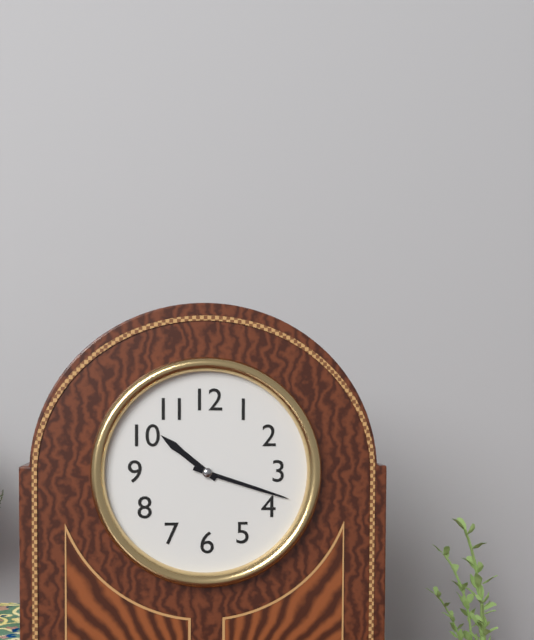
h=10 m=18
